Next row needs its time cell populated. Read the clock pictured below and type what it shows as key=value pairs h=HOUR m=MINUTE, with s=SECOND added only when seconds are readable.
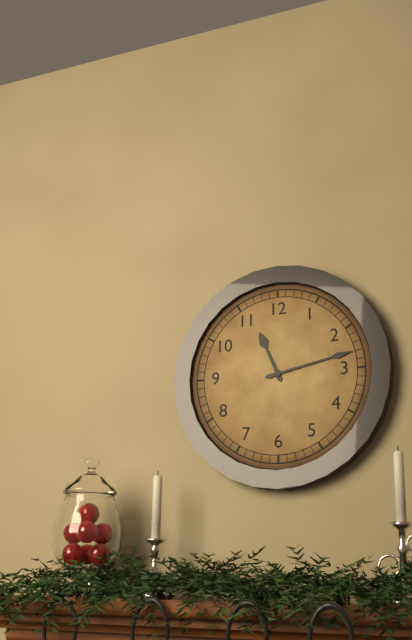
h=11 m=13
